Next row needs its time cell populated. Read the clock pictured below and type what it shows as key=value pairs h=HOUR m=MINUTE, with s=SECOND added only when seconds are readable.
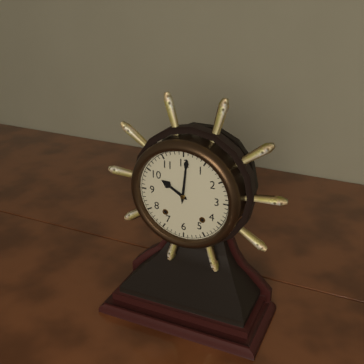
h=10 m=1
